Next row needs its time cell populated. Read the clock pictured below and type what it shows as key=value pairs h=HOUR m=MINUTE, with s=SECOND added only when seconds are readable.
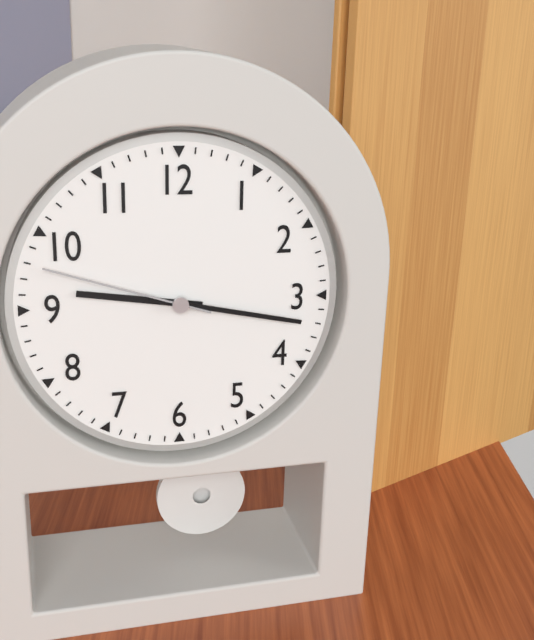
h=9 m=17 s=48
